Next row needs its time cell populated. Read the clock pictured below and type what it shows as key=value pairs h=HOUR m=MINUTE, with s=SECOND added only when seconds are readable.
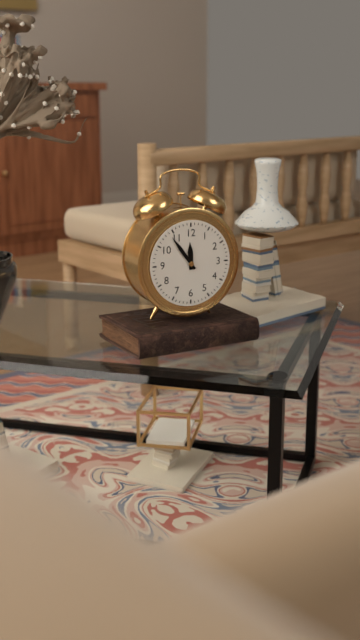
h=11 m=54
